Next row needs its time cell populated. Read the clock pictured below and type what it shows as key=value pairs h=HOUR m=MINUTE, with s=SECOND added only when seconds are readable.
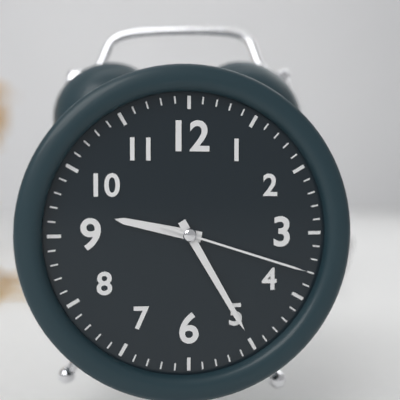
h=9 m=25 s=18
